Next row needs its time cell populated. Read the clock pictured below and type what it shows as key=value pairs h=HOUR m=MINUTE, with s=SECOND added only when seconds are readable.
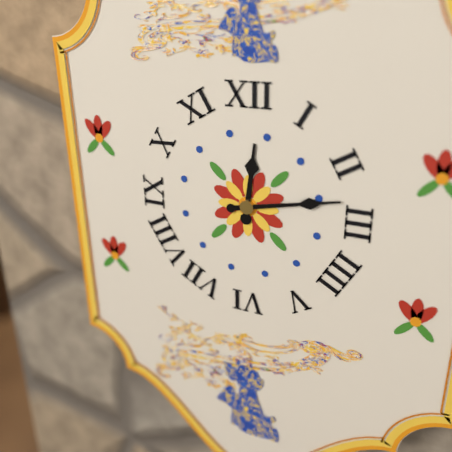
h=12 m=13
